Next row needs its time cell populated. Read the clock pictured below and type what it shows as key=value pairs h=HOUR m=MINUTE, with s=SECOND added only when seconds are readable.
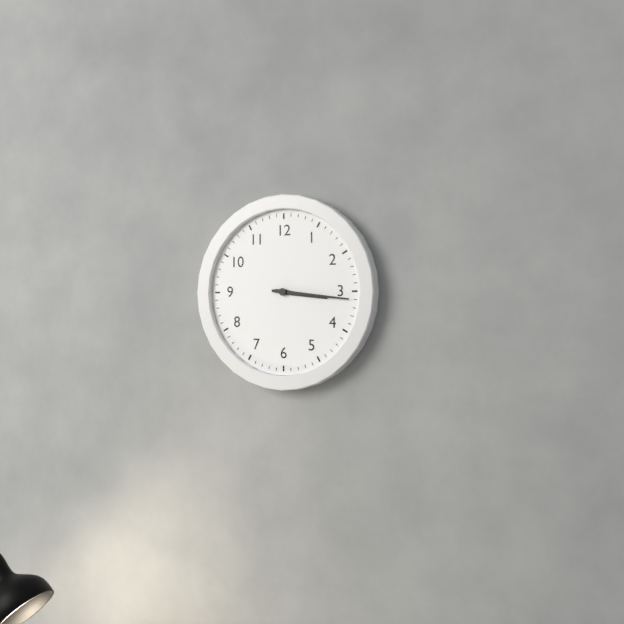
h=3 m=16
